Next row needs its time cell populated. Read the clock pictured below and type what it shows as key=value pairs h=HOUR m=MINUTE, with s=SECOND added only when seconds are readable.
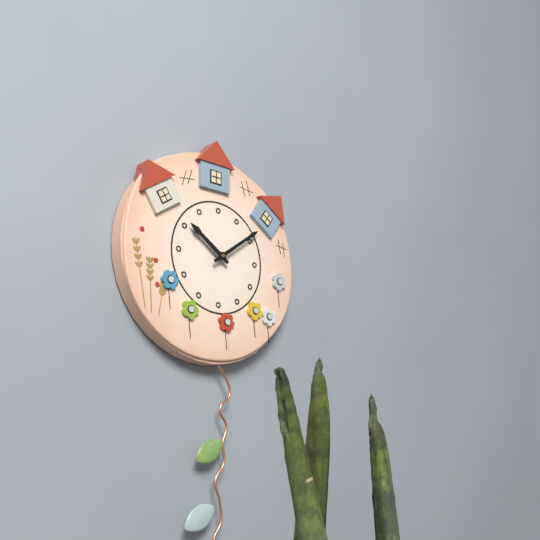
h=10 m=9
